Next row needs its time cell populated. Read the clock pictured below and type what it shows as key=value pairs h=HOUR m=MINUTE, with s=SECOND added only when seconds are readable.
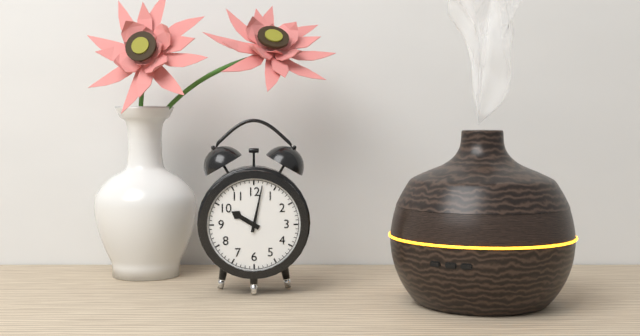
h=10 m=2
